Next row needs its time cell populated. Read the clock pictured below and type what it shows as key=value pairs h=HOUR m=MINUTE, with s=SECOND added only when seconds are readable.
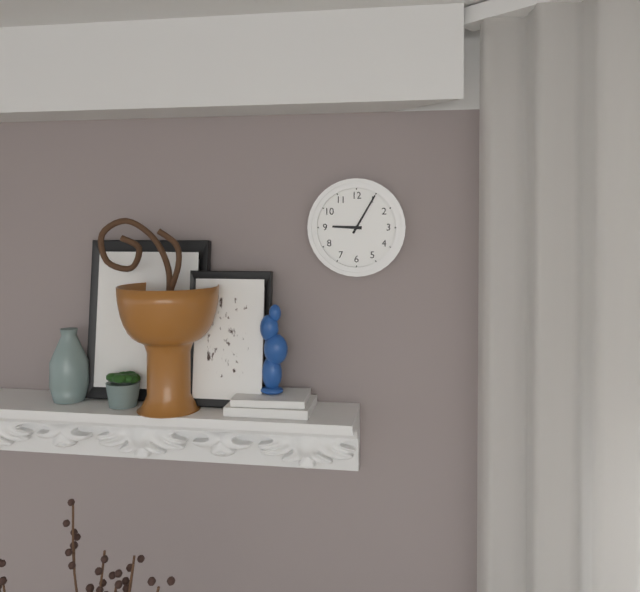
h=9 m=5
